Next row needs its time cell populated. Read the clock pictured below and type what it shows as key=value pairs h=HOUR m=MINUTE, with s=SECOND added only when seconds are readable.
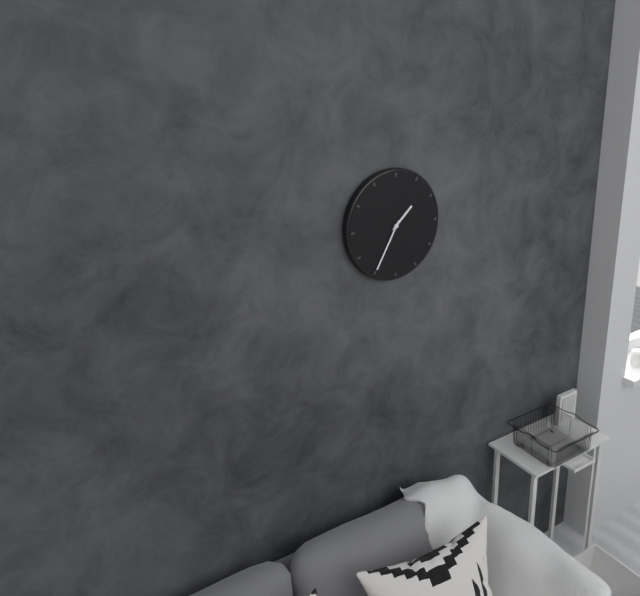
h=1 m=35
